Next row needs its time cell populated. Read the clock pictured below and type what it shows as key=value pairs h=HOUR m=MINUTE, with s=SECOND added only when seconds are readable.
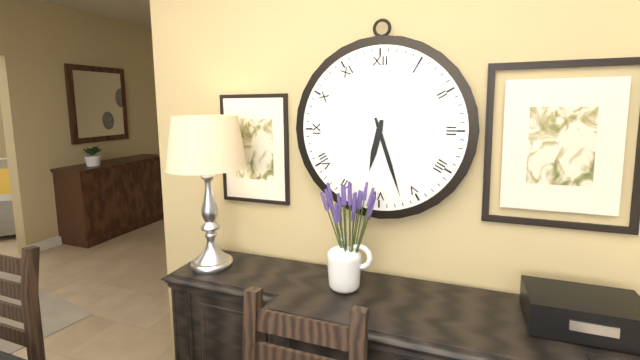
h=6 m=27
